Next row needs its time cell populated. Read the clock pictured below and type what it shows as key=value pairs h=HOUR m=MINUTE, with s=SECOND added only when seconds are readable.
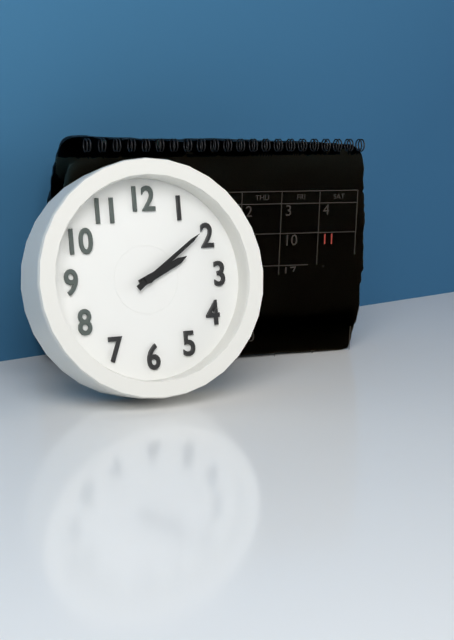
h=2 m=9
